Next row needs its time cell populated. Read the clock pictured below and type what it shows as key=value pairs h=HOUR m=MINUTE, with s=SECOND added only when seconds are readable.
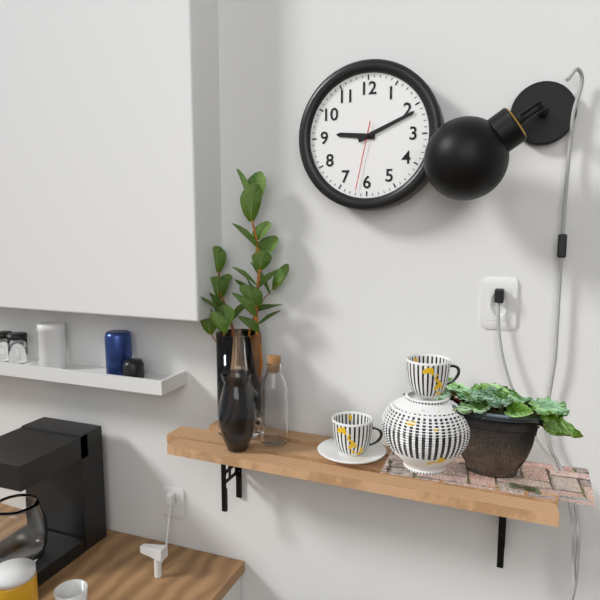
h=9 m=11 s=32
